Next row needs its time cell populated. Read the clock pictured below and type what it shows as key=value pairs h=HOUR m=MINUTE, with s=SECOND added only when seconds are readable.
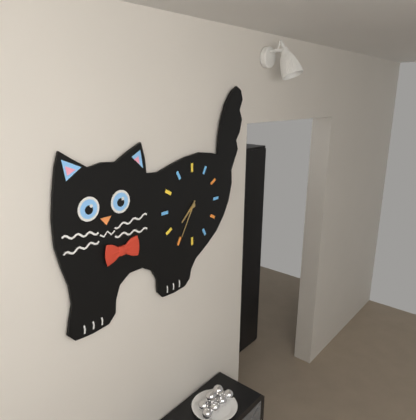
h=7 m=35
